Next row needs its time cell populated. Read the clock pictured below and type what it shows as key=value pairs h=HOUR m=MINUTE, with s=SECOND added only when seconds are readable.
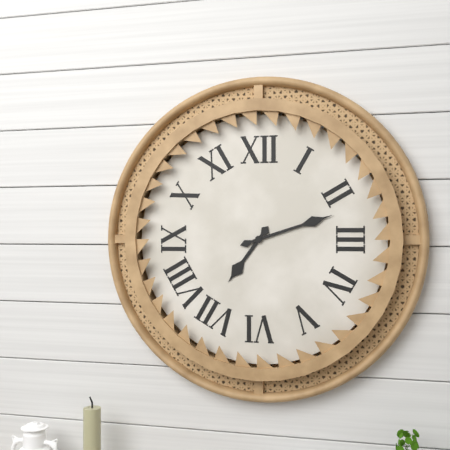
h=7 m=12
